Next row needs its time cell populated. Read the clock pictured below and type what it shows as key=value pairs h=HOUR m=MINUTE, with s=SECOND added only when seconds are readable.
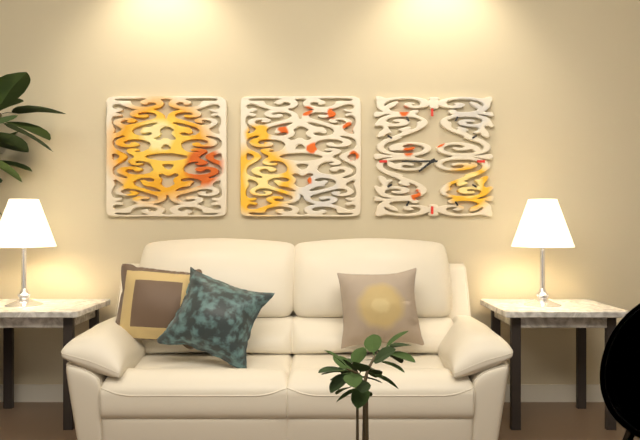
h=7 m=45
